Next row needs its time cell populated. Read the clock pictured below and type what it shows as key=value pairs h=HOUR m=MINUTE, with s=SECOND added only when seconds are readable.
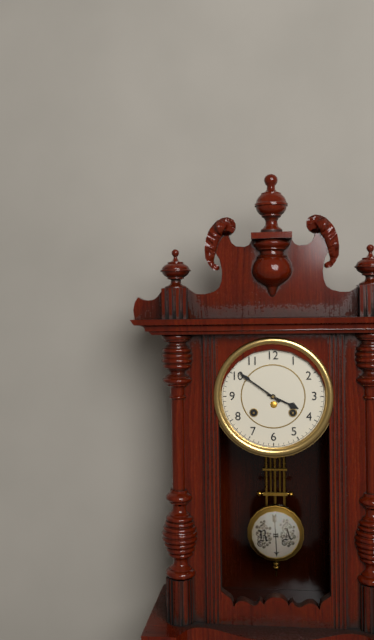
h=3 m=51
